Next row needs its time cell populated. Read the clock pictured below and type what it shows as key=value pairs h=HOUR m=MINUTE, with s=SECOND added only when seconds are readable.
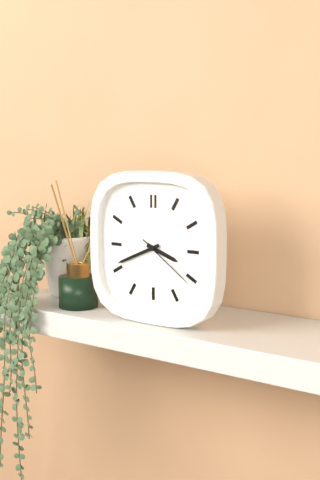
h=3 m=41 s=21
